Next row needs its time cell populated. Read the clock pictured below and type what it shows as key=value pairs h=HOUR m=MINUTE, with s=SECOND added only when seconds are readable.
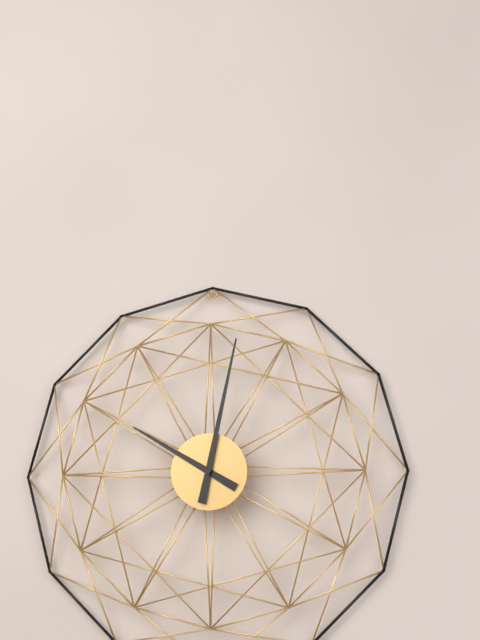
h=10 m=2
